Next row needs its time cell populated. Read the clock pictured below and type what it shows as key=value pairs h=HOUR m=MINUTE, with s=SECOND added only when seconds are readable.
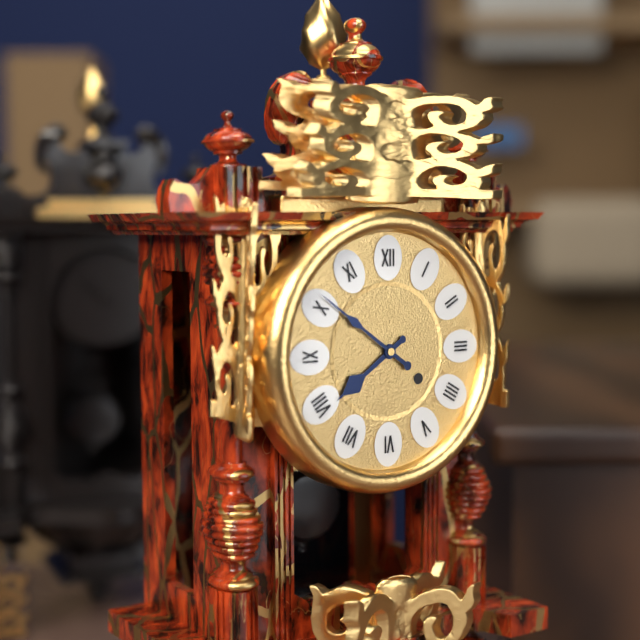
h=7 m=51
